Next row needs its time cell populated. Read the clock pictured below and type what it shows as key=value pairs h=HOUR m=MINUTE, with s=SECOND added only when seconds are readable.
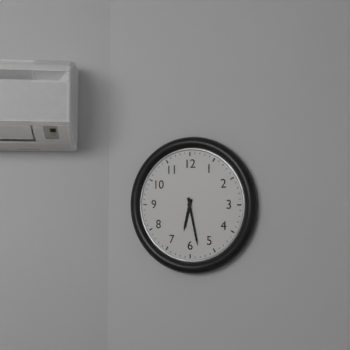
h=6 m=28
